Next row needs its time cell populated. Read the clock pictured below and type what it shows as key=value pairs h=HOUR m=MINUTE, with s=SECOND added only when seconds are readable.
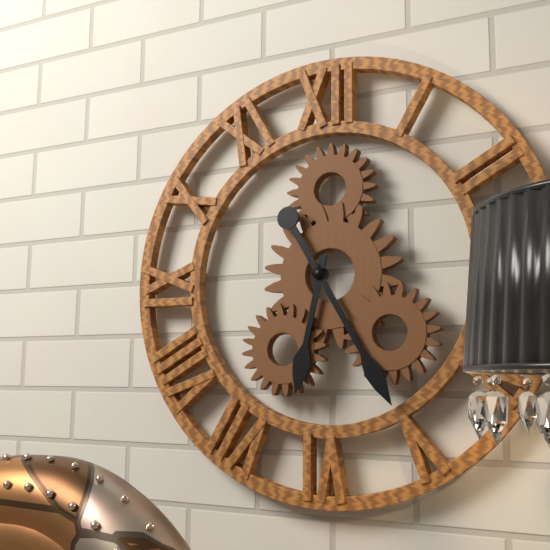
h=6 m=25
